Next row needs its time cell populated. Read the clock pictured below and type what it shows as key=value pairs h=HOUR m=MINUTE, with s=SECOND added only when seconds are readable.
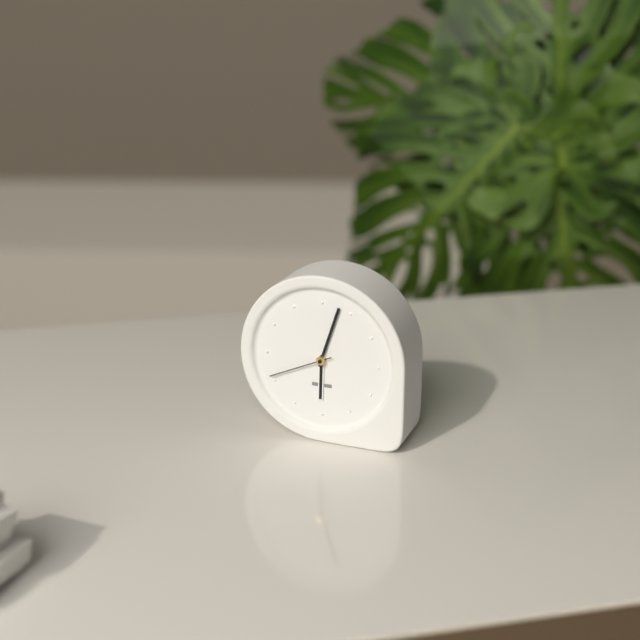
h=6 m=3 s=41
